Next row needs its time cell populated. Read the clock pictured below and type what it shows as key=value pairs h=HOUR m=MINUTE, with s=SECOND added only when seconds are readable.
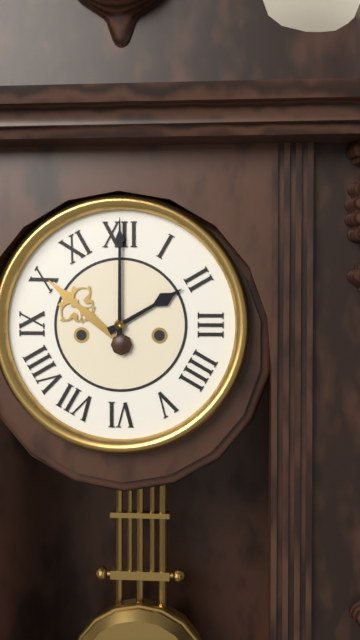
h=2 m=0
